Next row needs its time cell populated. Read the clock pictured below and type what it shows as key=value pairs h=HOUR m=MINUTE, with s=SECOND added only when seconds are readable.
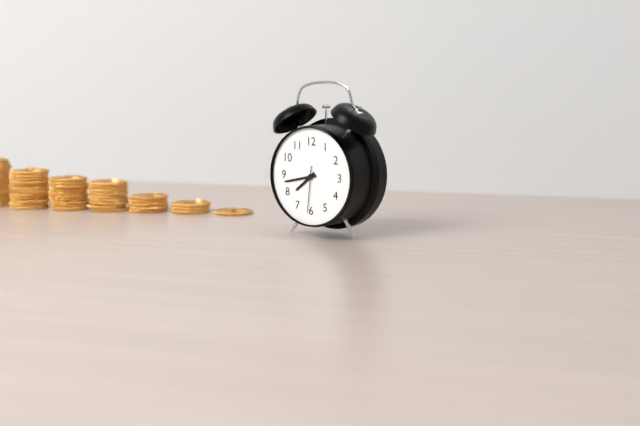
h=7 m=43
